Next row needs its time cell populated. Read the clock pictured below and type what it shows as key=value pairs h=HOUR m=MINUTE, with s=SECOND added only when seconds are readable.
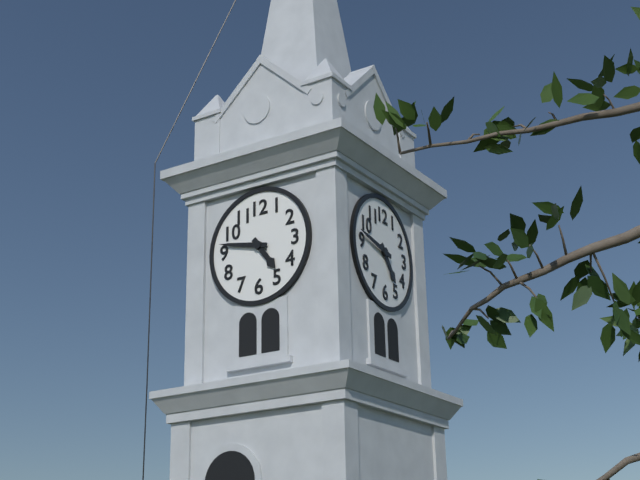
h=4 m=47
